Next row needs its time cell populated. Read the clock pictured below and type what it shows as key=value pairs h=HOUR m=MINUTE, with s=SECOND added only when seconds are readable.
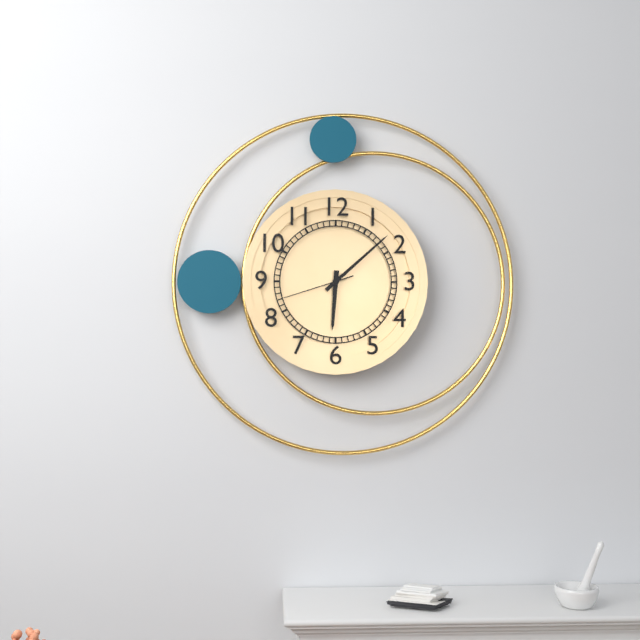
h=6 m=8 s=42
